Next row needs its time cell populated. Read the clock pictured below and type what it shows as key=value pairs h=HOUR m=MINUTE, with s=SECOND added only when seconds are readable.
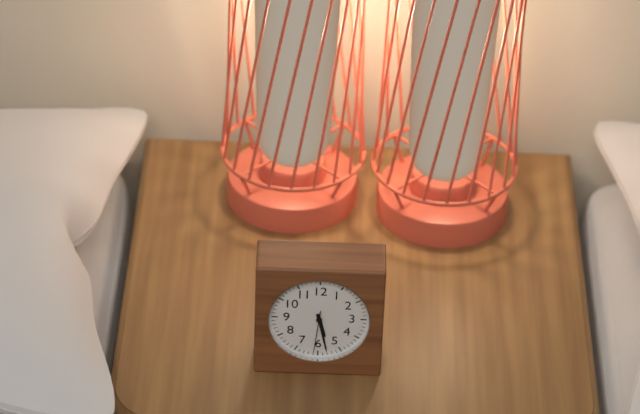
h=5 m=28
